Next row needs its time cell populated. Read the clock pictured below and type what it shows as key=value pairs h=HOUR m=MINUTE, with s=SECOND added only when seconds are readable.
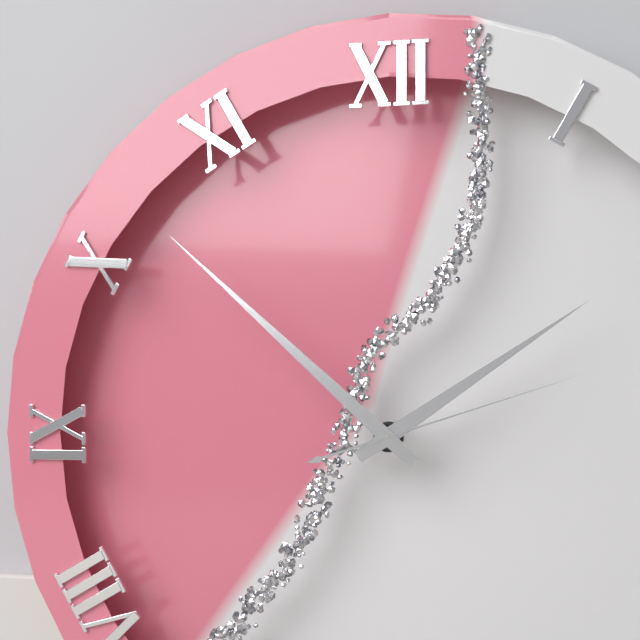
h=1 m=52 s=12
